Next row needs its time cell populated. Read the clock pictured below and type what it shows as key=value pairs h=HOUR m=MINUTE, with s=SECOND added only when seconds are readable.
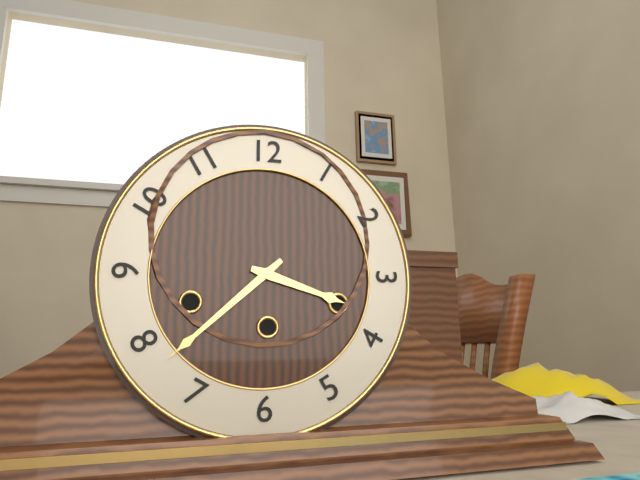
h=3 m=38
